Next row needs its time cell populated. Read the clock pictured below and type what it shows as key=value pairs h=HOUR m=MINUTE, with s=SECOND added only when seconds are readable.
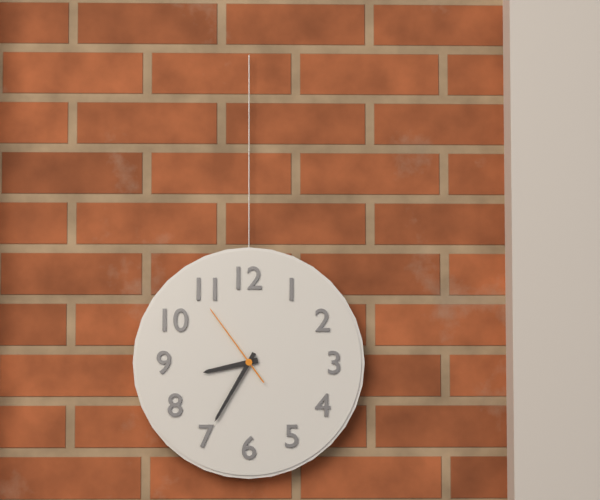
h=8 m=35 s=54
